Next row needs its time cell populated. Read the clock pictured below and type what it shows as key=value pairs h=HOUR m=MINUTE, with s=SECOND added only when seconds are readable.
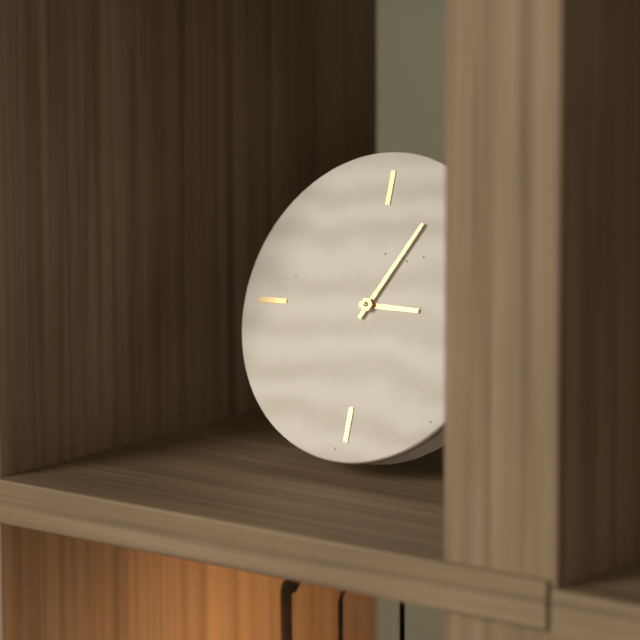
h=3 m=5
